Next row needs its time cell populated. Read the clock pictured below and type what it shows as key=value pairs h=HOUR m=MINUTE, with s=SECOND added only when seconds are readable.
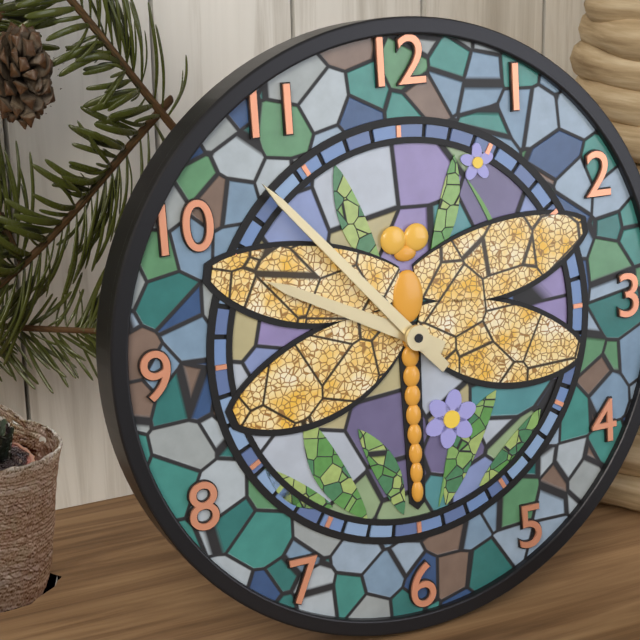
h=9 m=53
